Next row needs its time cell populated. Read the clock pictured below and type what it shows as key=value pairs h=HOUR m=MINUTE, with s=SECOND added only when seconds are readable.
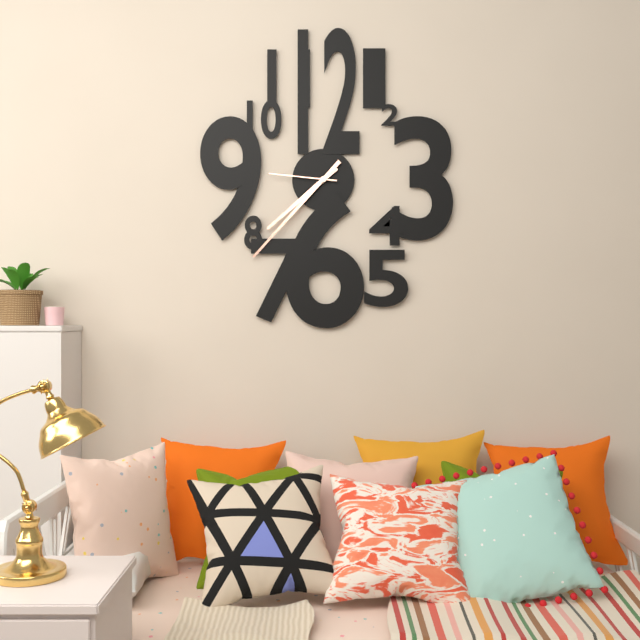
h=7 m=37 s=46
